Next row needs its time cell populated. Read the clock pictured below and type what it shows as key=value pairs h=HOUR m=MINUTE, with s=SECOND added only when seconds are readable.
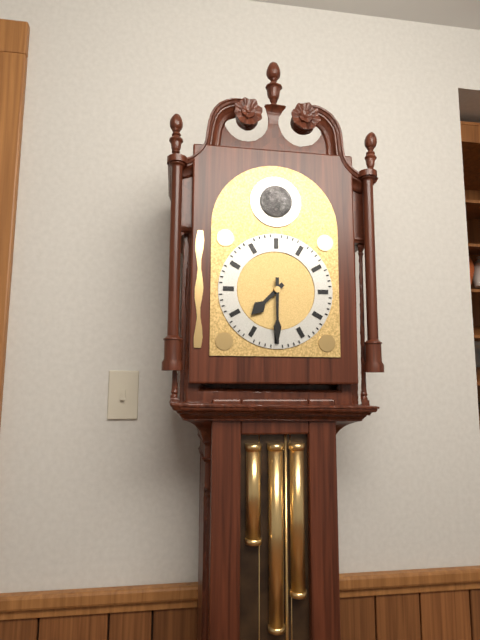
h=7 m=30
